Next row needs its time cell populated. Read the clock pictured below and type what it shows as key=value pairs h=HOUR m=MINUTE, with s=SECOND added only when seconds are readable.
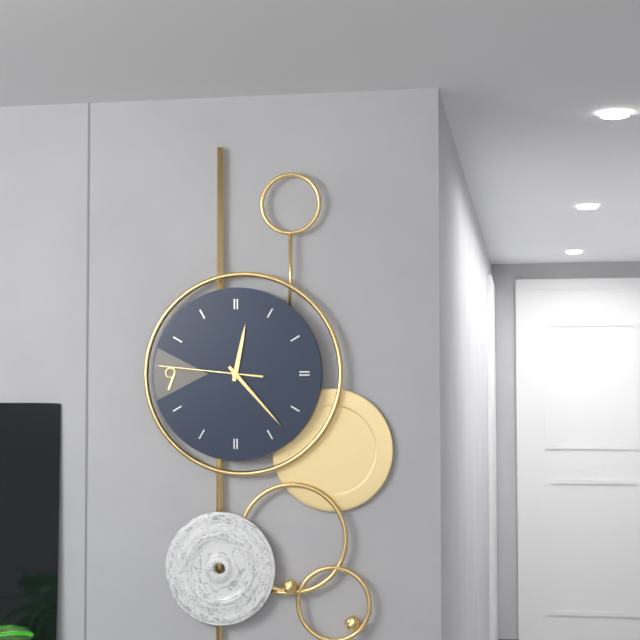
h=12 m=23 s=46
